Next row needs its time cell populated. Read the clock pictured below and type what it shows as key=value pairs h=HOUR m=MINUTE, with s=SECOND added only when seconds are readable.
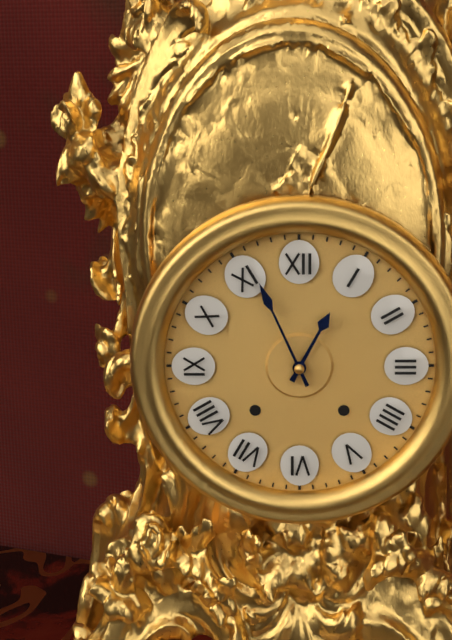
h=12 m=56
